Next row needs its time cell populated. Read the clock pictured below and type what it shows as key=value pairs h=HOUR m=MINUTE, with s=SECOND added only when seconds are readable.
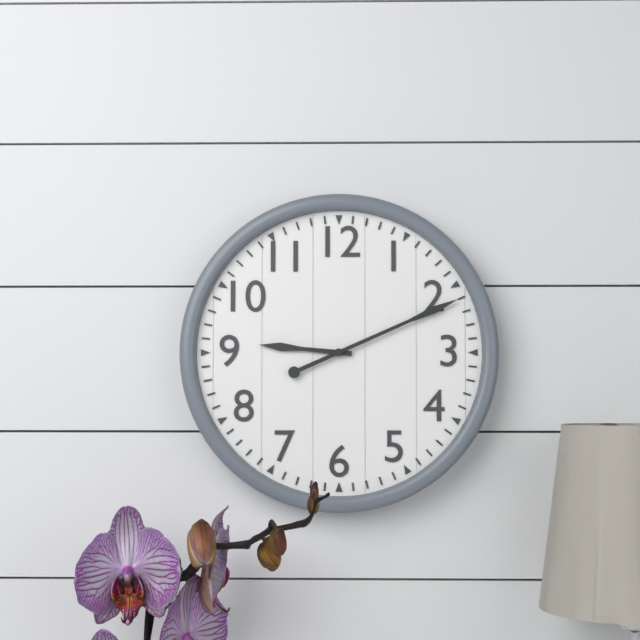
h=9 m=11
